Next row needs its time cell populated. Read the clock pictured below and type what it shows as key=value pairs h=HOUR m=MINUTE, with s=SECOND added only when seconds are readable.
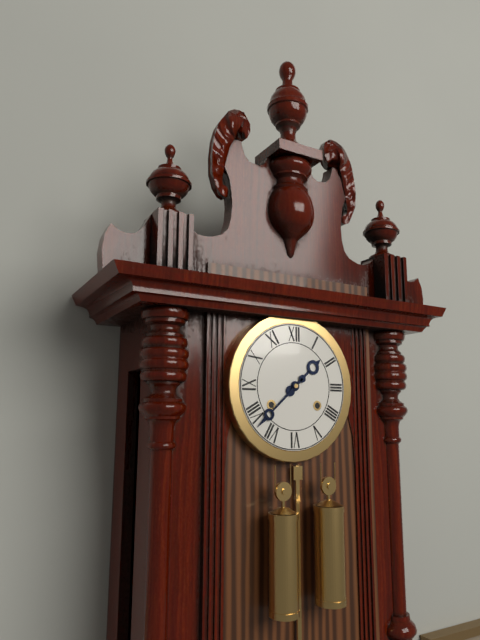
h=1 m=38
